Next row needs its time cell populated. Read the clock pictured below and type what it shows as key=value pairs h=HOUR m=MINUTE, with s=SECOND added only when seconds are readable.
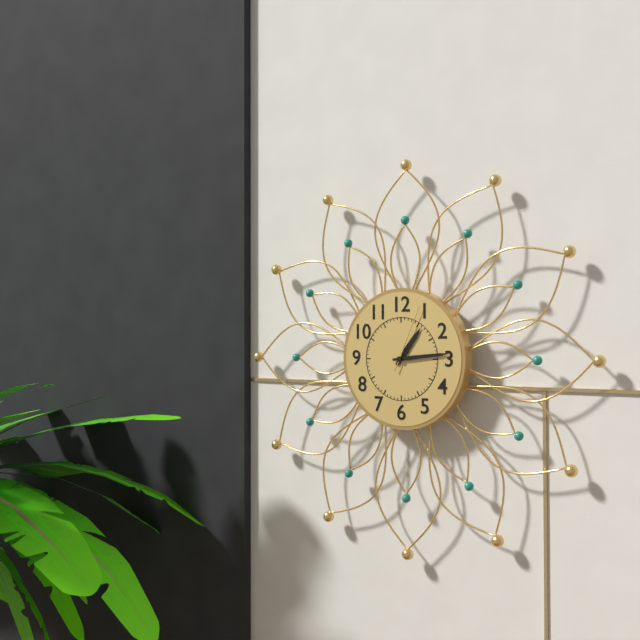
h=1 m=14 s=4
